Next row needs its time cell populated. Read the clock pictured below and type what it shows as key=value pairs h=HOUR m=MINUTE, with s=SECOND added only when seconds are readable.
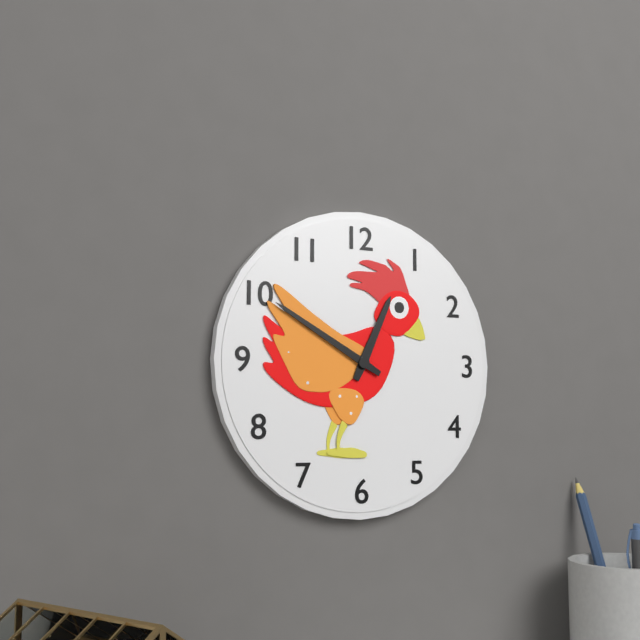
h=12 m=50
